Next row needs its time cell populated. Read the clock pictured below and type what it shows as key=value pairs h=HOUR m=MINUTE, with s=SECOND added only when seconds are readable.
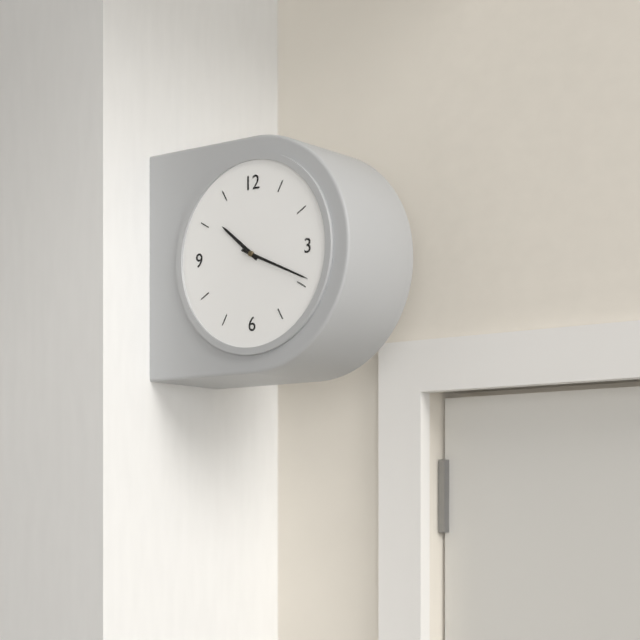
h=10 m=19
